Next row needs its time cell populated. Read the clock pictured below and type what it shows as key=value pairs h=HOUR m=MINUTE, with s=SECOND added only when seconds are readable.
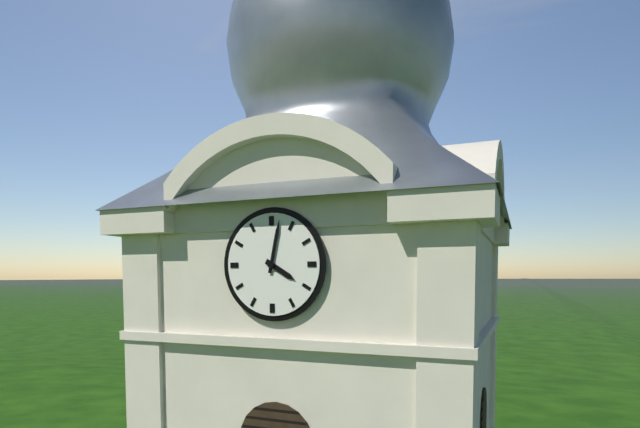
h=4 m=2
